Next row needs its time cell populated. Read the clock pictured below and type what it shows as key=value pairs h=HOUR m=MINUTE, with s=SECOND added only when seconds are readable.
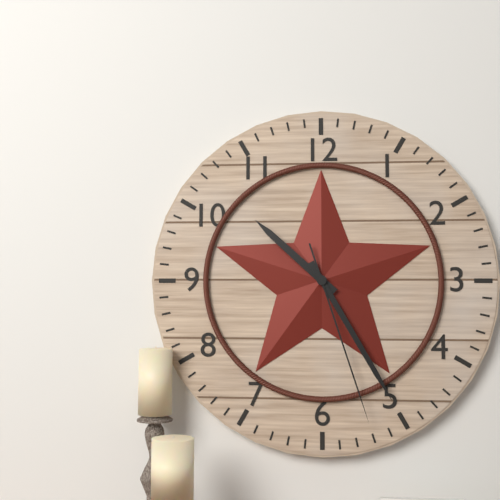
h=10 m=25 s=27
